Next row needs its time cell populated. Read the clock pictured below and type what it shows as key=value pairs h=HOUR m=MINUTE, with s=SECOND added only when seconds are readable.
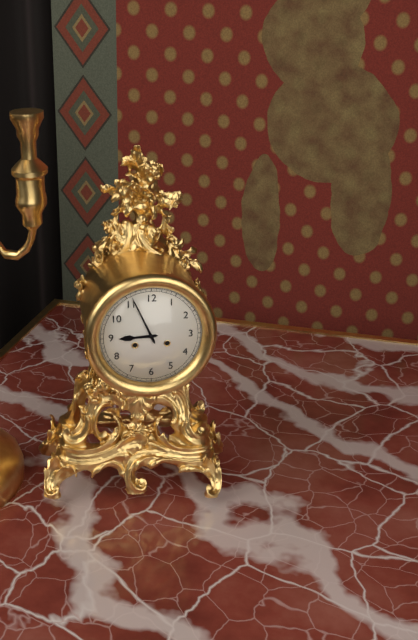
h=8 m=56
